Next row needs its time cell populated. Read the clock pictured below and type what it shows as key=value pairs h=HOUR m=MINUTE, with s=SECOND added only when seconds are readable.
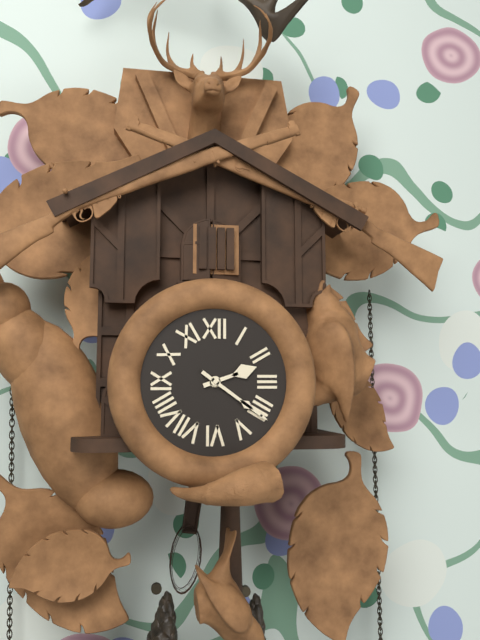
h=2 m=21
